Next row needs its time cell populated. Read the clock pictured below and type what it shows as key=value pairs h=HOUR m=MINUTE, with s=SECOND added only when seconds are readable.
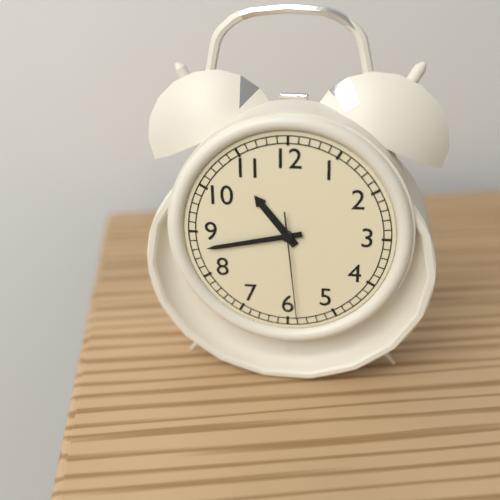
h=10 m=43 s=29
